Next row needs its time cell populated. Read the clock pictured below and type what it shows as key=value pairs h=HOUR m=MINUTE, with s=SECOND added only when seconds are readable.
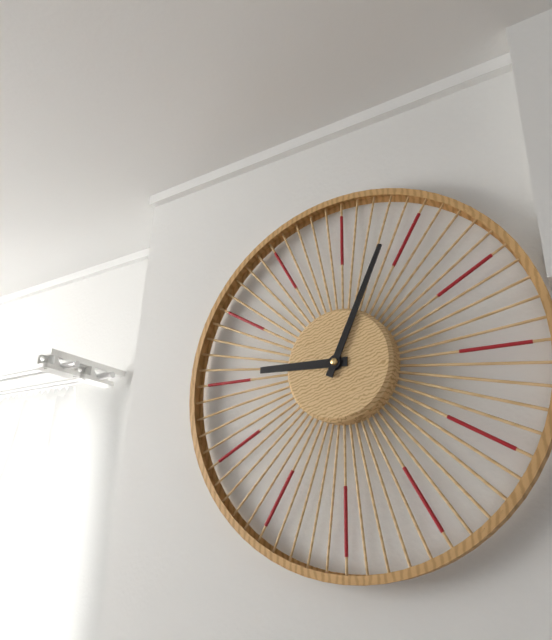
h=9 m=4
